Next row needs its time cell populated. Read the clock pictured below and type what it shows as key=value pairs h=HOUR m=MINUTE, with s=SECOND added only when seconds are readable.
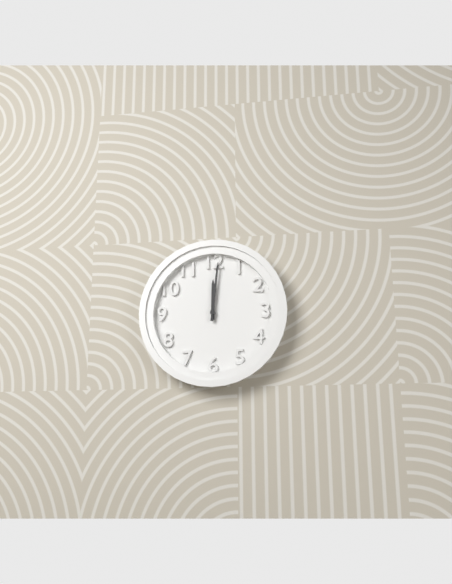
h=12 m=1
